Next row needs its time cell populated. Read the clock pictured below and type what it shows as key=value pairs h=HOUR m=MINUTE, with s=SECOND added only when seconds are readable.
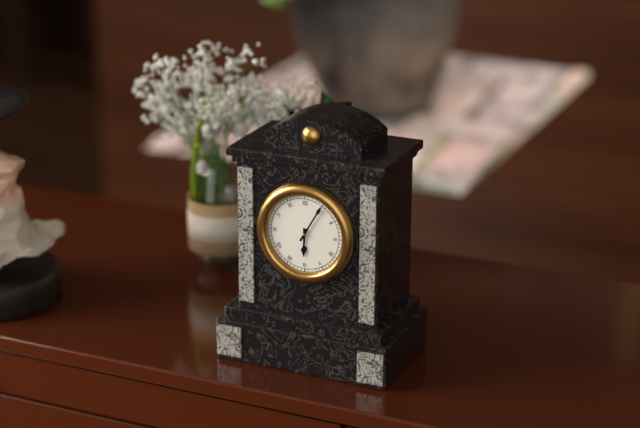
h=6 m=5
